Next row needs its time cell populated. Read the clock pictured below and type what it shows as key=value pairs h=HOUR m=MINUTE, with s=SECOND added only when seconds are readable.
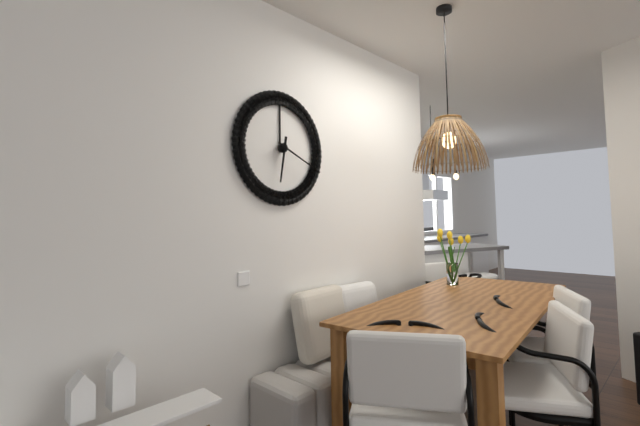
h=6 m=19
